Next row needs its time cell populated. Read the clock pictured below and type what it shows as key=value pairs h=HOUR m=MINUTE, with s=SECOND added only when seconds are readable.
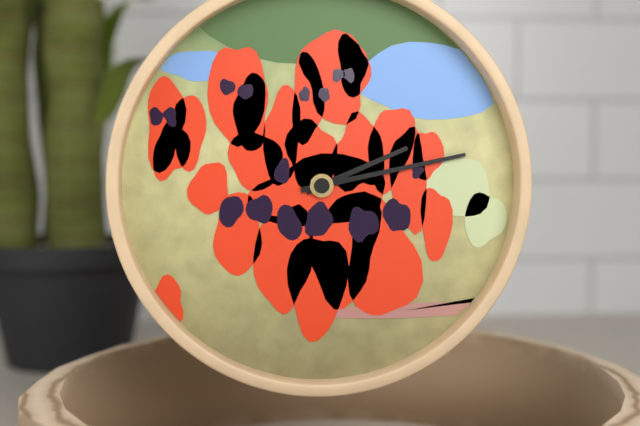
h=2 m=13
